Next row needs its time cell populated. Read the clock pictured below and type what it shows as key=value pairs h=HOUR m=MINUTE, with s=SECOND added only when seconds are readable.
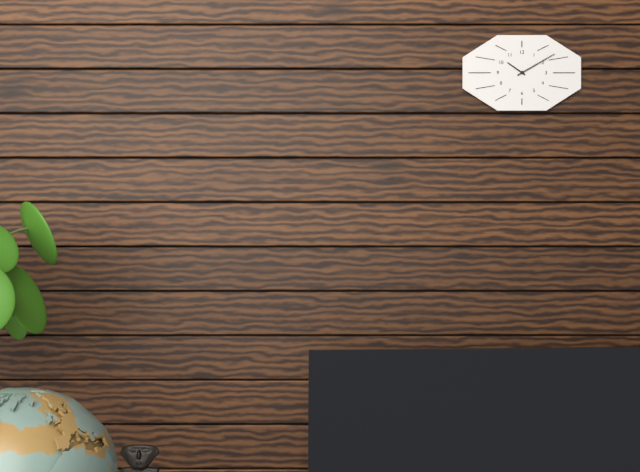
h=10 m=10
